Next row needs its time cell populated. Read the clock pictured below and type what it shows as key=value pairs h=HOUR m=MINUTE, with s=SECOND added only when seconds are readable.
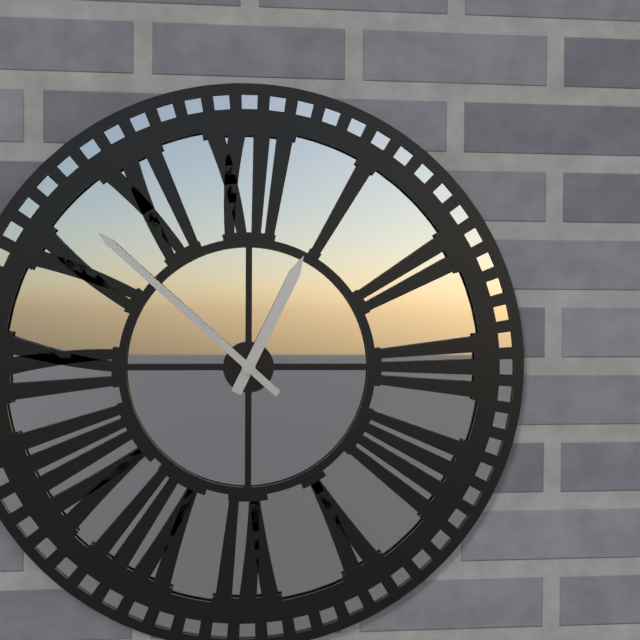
h=12 m=52
